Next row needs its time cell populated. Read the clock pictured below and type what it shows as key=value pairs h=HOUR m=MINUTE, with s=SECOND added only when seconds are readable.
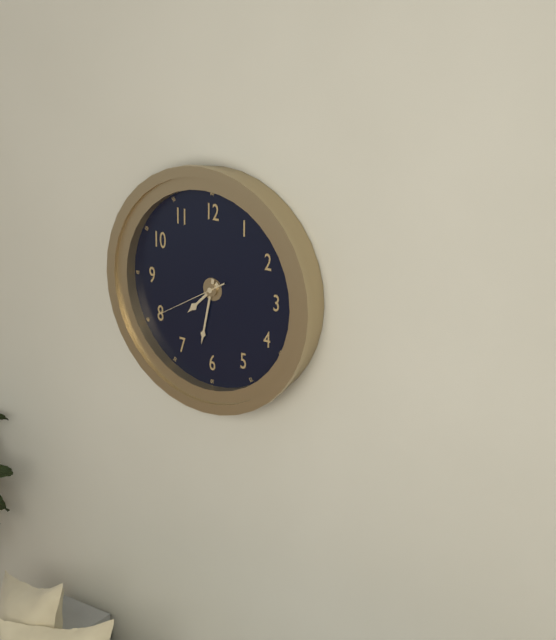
h=7 m=32 s=40
